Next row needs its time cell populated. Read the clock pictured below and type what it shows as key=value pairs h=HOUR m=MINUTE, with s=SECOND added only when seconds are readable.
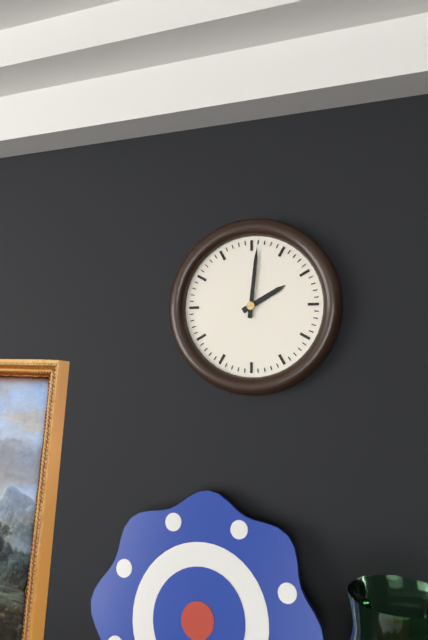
h=2 m=1
